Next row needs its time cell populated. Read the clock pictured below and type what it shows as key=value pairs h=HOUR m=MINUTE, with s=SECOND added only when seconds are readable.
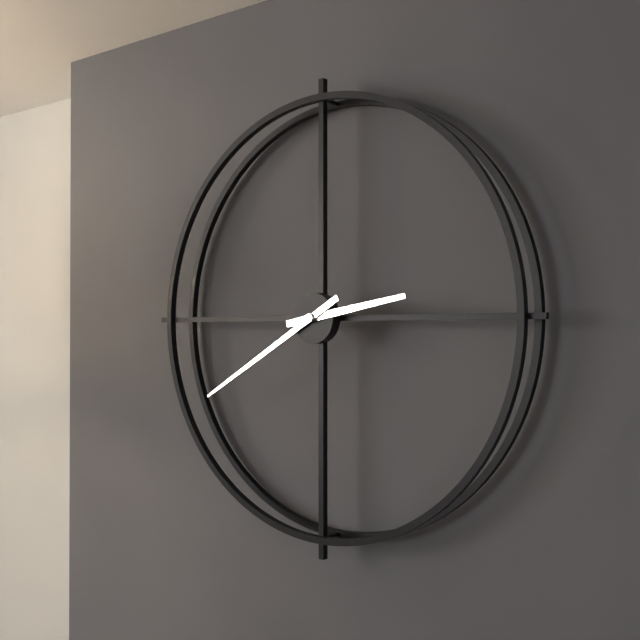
h=2 m=40
